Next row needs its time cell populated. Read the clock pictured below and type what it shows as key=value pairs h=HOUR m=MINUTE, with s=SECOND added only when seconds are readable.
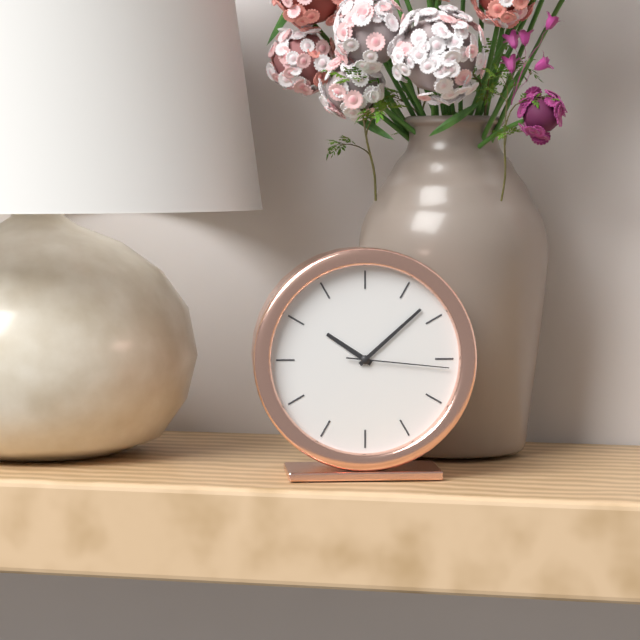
h=10 m=8 s=16
